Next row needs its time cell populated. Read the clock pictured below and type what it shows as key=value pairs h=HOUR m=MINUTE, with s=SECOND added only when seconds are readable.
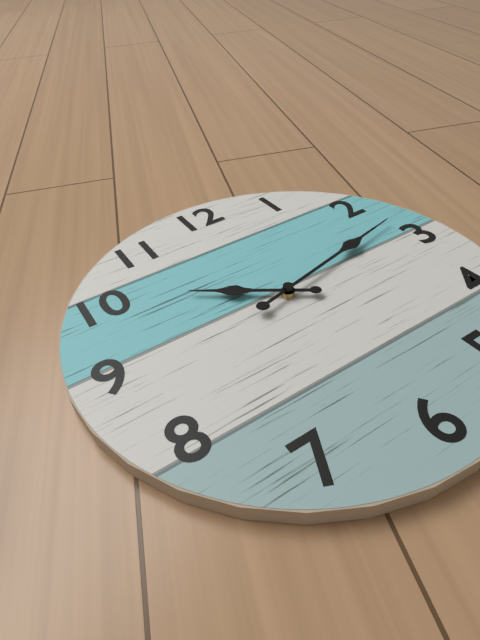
h=10 m=13
